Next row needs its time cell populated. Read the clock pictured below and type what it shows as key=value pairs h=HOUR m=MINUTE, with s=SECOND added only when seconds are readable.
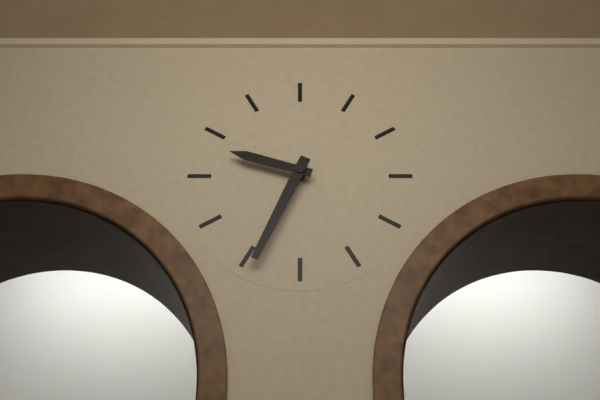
h=9 m=34
